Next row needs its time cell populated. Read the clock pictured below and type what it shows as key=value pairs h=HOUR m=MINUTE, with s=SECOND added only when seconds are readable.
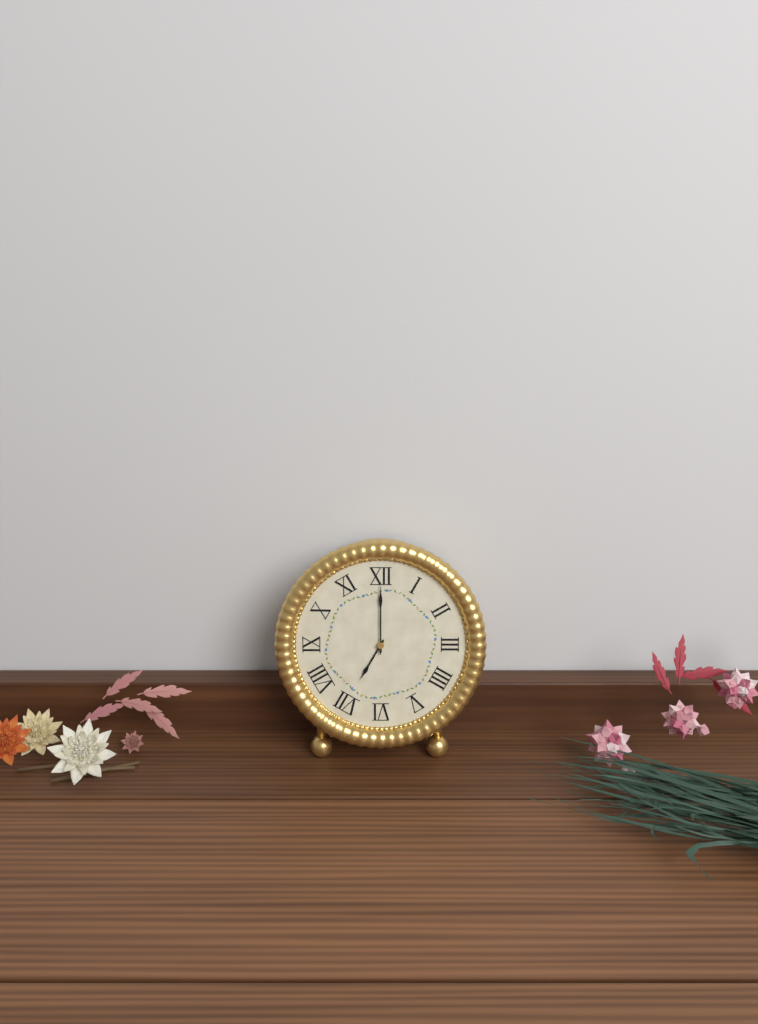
h=7 m=0
